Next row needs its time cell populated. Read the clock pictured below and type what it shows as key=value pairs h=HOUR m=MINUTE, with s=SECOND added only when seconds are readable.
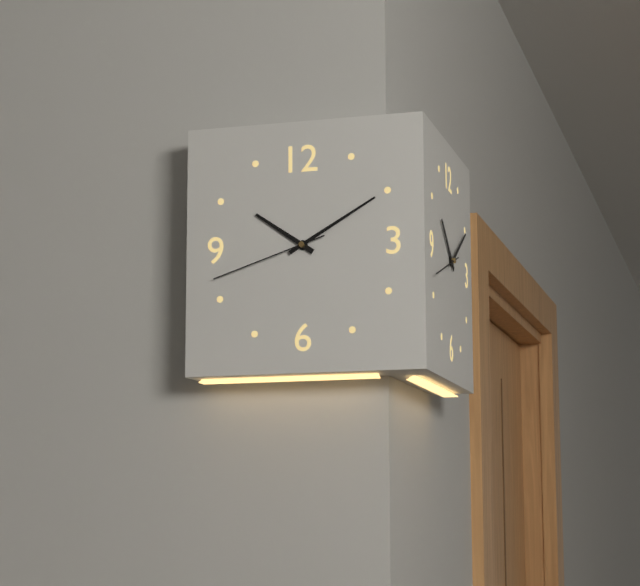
h=10 m=10 s=42
